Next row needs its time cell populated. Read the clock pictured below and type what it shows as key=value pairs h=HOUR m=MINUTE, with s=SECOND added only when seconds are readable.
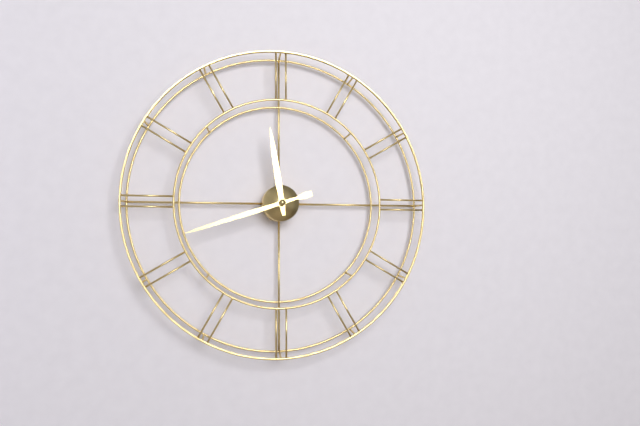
h=11 m=42
